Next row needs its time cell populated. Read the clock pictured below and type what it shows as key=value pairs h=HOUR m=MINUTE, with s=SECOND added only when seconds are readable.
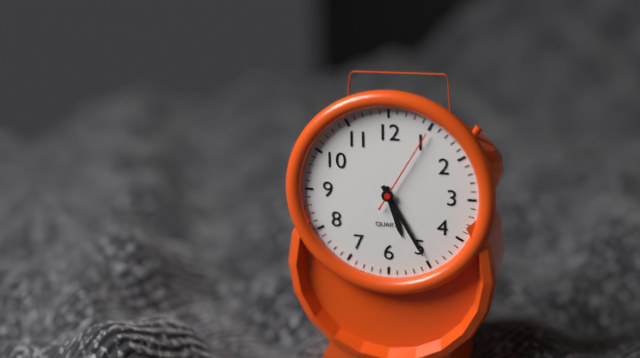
h=5 m=25 s=5
